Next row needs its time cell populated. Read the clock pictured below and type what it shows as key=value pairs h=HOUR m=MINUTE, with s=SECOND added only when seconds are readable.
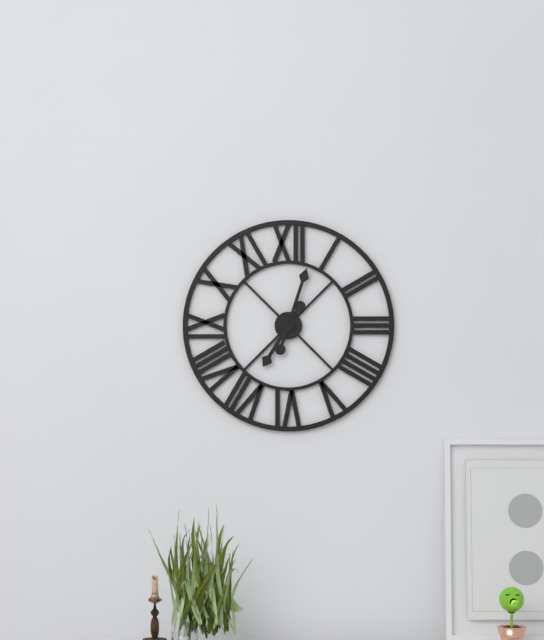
h=7 m=3
